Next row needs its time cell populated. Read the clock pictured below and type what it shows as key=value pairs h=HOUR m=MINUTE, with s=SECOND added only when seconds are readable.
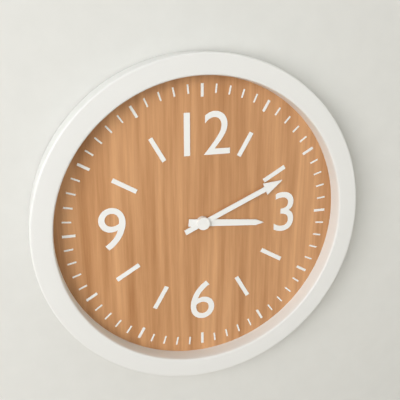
h=3 m=11
